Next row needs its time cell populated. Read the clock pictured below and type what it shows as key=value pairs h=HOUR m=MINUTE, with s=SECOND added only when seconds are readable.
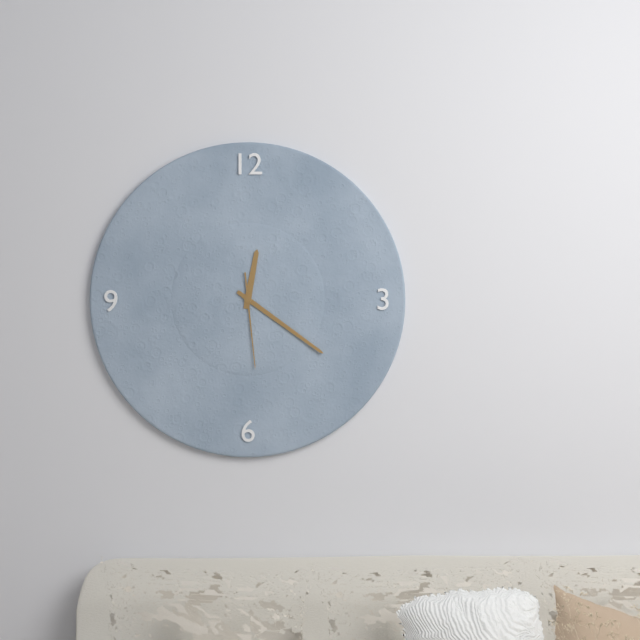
h=12 m=21 s=29
